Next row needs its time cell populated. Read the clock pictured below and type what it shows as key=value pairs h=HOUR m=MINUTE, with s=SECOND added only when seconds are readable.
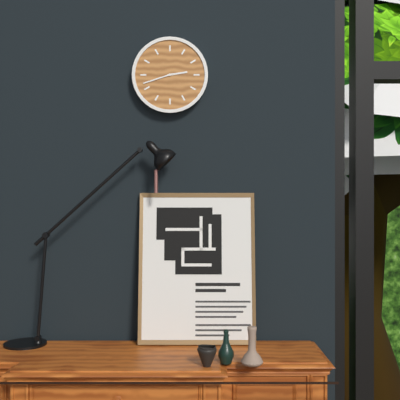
h=2 m=42
